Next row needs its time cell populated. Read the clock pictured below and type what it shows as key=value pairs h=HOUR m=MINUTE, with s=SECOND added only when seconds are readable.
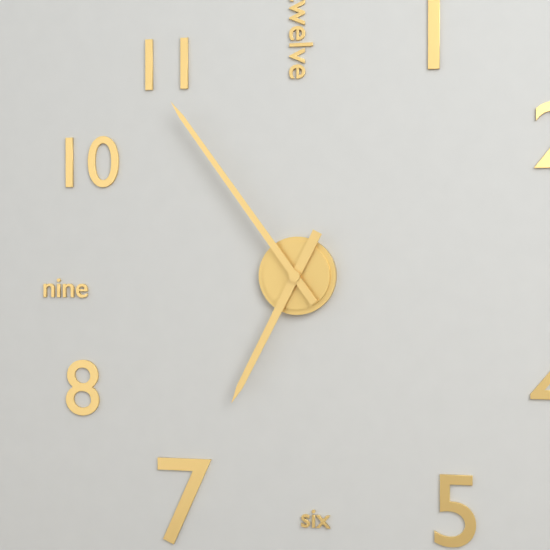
h=6 m=54
